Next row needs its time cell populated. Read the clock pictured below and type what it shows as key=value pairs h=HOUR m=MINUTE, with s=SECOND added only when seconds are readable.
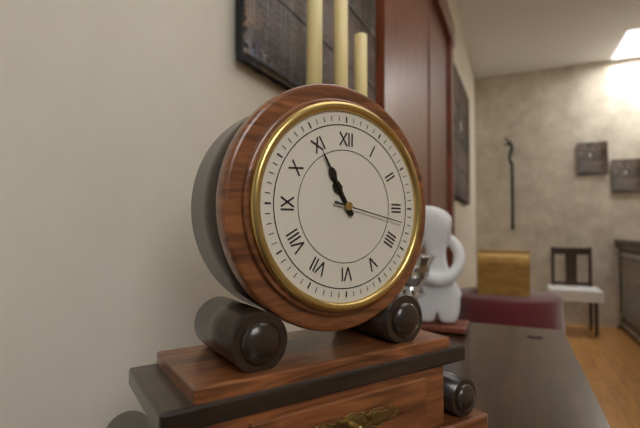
h=10 m=55 s=17
